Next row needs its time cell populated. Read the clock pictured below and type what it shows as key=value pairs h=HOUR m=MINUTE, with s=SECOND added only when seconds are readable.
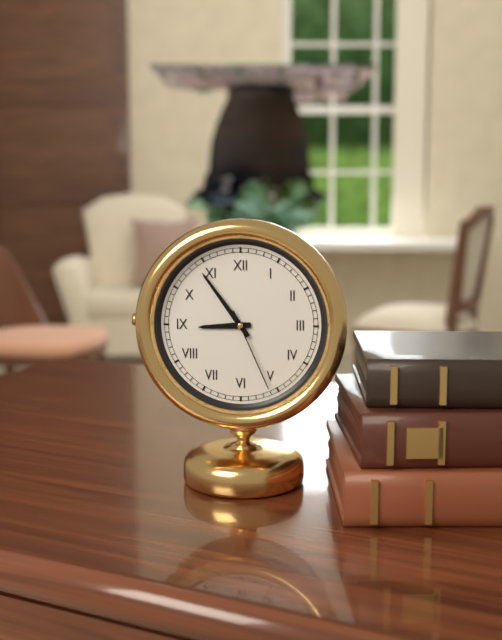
h=8 m=54 s=26
